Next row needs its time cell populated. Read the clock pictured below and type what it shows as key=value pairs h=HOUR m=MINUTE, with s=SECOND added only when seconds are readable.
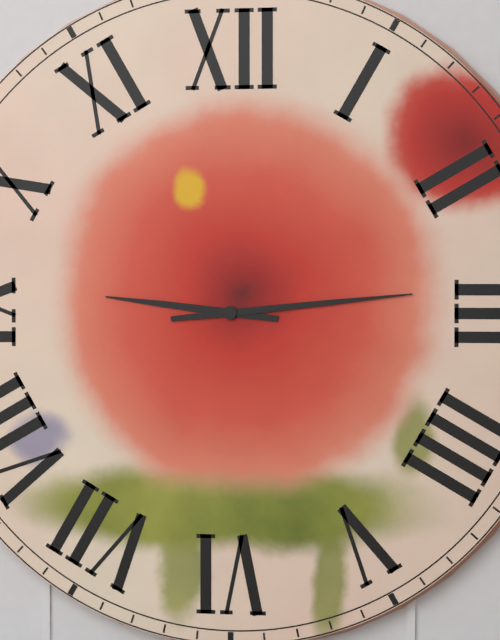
h=9 m=14
